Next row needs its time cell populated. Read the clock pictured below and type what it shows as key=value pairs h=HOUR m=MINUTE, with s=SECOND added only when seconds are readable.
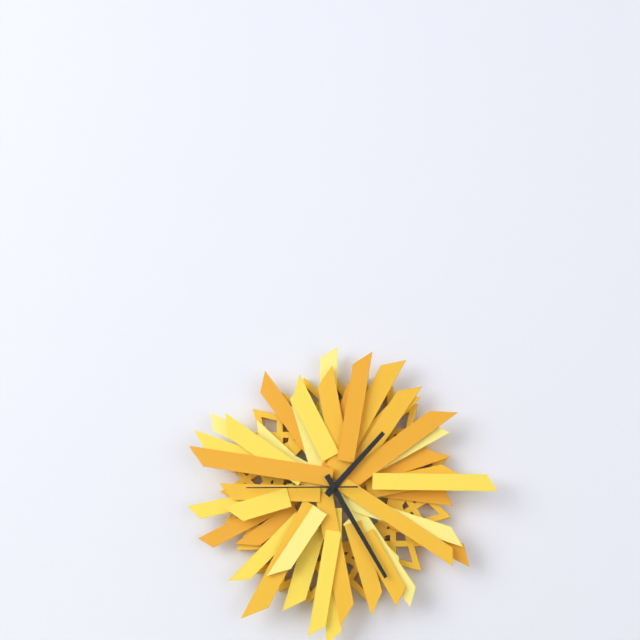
h=1 m=25 s=45
